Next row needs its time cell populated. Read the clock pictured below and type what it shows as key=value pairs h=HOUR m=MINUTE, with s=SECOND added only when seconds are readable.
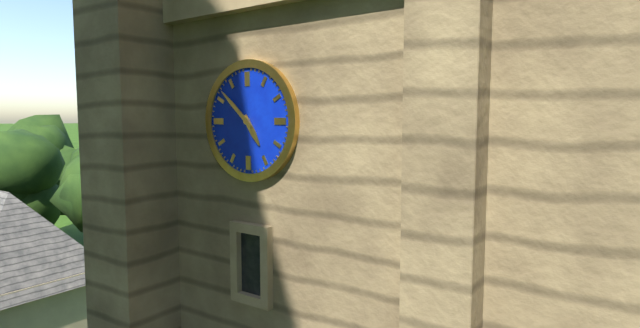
h=4 m=52
